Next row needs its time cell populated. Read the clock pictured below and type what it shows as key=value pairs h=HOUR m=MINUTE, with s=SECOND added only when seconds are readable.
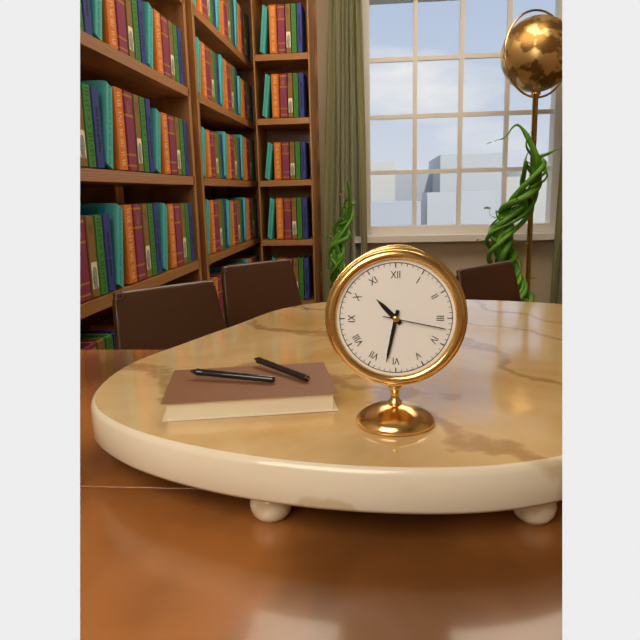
h=10 m=32 s=17
